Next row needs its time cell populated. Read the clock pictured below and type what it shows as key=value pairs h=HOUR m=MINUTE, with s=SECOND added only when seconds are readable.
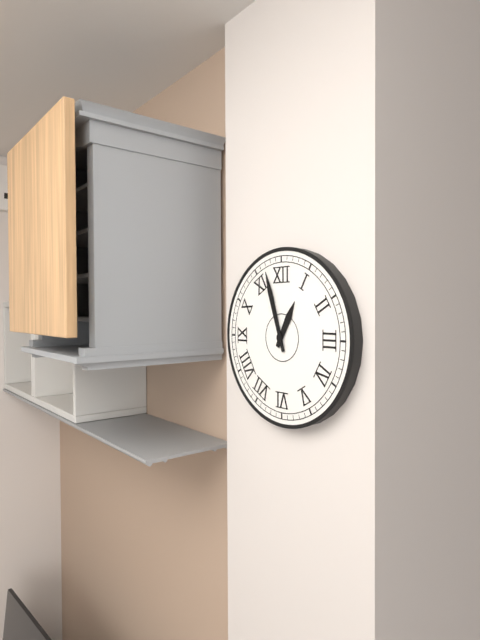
h=12 m=57
